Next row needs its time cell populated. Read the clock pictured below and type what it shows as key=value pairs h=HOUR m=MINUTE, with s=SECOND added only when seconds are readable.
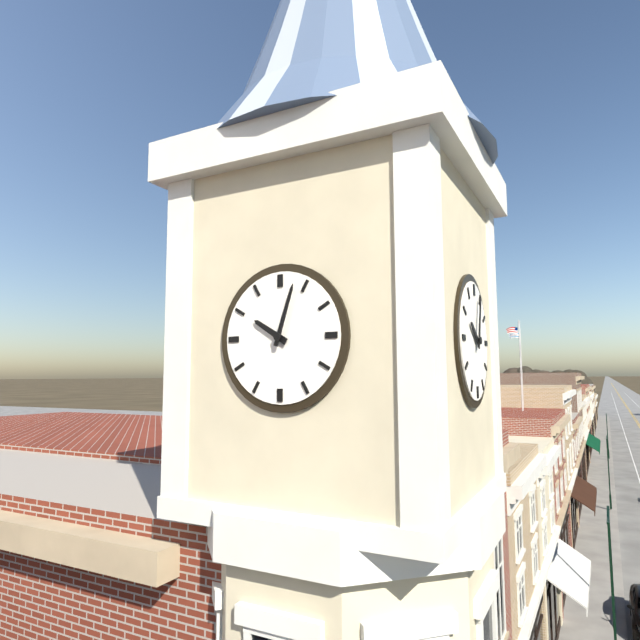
h=10 m=3
